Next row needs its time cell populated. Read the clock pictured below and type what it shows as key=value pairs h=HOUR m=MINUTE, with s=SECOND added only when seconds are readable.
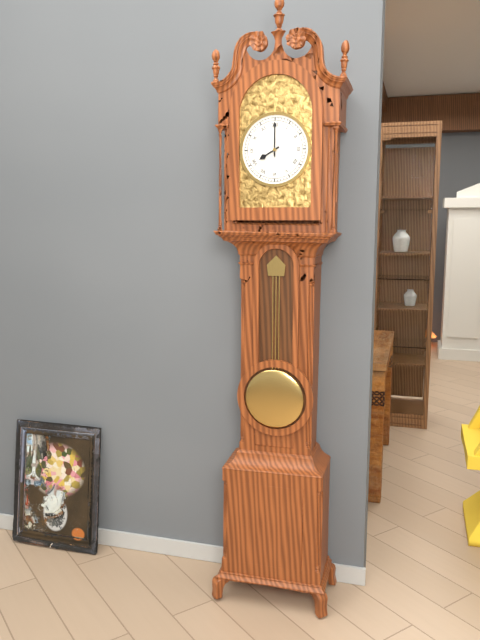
h=8 m=0
